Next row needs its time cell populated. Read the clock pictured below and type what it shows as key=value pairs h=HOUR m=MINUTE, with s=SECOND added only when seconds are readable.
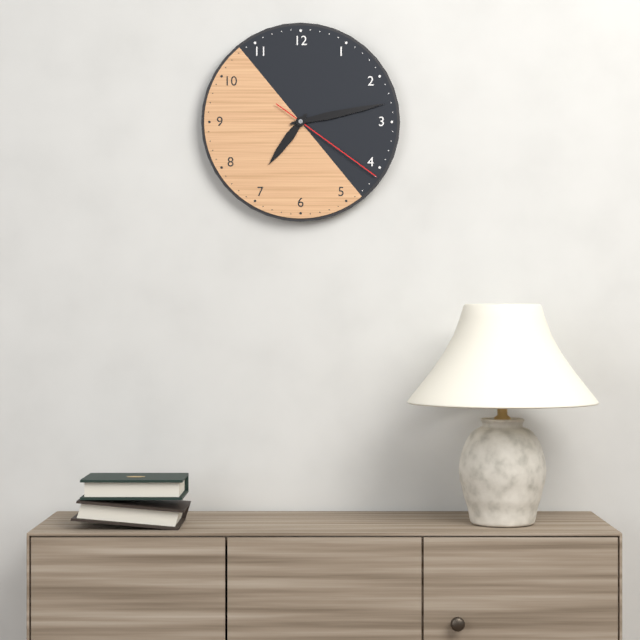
h=7 m=13 s=21
